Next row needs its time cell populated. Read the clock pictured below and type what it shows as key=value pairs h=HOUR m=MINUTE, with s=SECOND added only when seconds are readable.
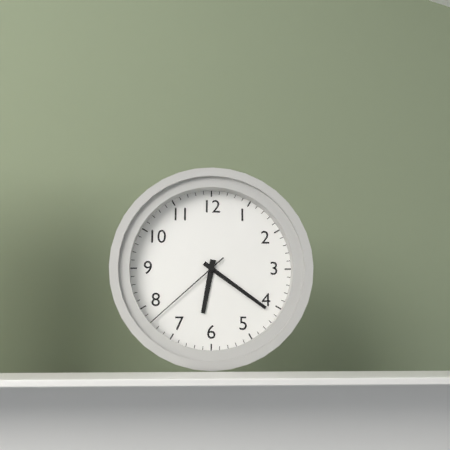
h=6 m=21 s=38
